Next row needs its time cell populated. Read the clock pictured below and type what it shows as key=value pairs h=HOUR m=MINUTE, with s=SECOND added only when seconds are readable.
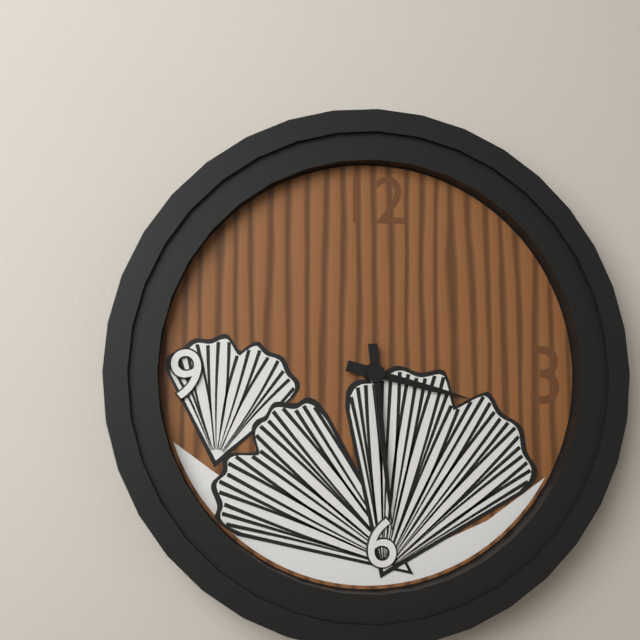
h=3 m=29
